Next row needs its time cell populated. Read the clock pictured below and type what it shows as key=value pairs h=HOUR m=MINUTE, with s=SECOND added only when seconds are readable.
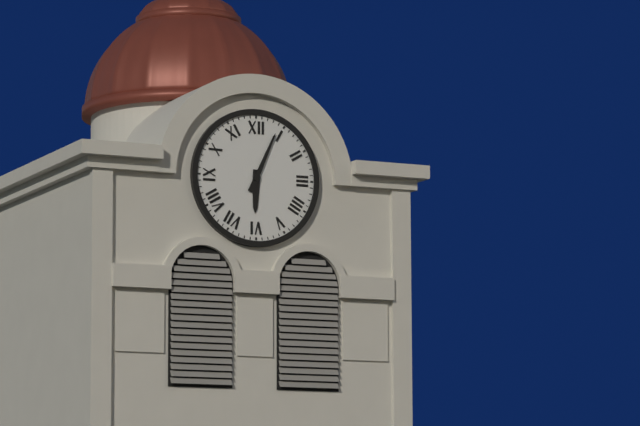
h=6 m=4
